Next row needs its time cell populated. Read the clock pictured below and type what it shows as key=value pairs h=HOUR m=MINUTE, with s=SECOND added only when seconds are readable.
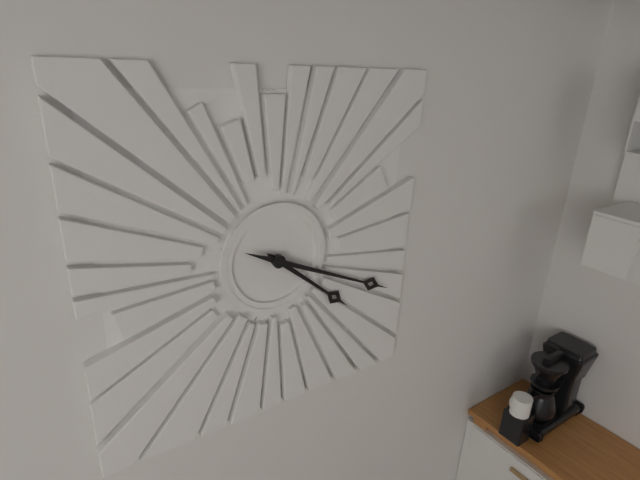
h=4 m=19
